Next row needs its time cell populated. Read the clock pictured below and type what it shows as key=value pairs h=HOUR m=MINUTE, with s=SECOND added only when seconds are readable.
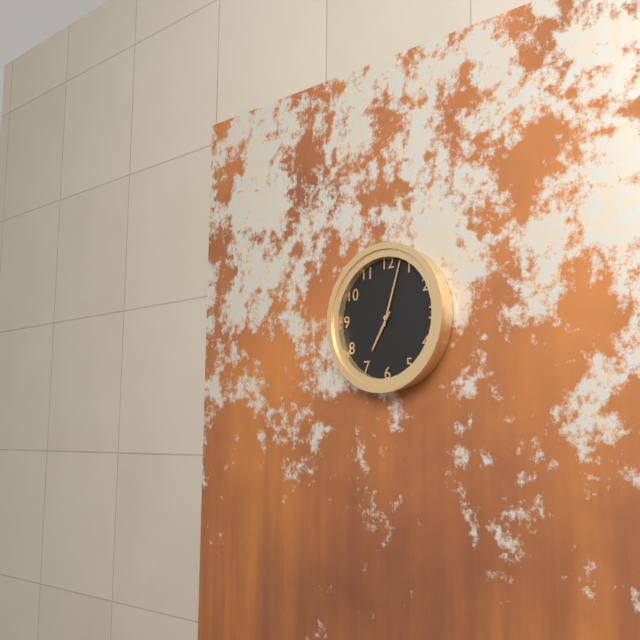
h=7 m=3
